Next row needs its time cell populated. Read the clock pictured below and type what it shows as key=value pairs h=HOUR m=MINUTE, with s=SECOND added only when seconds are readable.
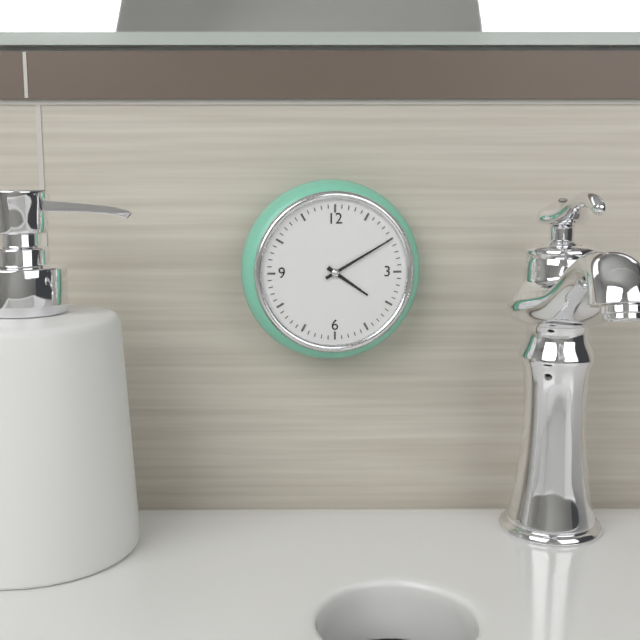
h=4 m=10
